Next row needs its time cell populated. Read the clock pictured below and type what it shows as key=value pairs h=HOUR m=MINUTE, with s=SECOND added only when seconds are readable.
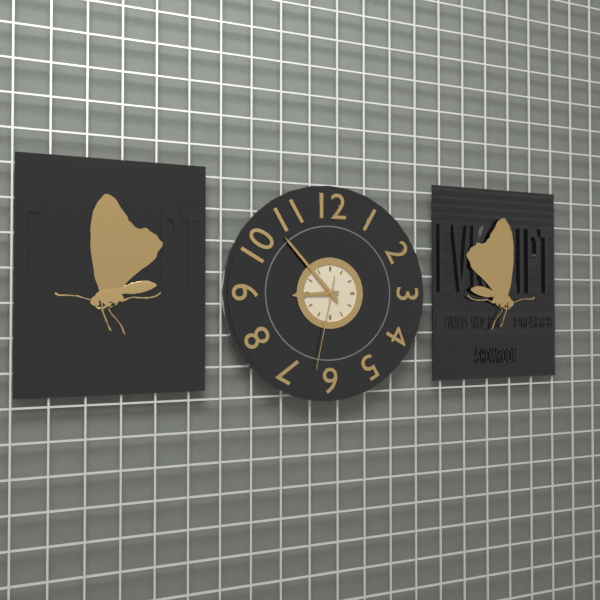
h=8 m=53 s=32
